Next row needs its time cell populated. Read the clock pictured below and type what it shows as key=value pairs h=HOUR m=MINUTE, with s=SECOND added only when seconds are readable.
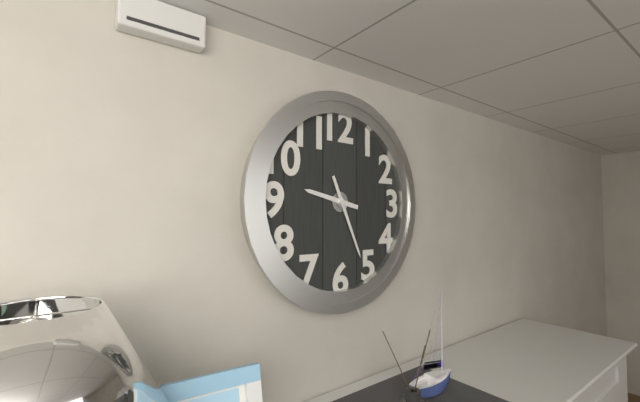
h=9 m=26
